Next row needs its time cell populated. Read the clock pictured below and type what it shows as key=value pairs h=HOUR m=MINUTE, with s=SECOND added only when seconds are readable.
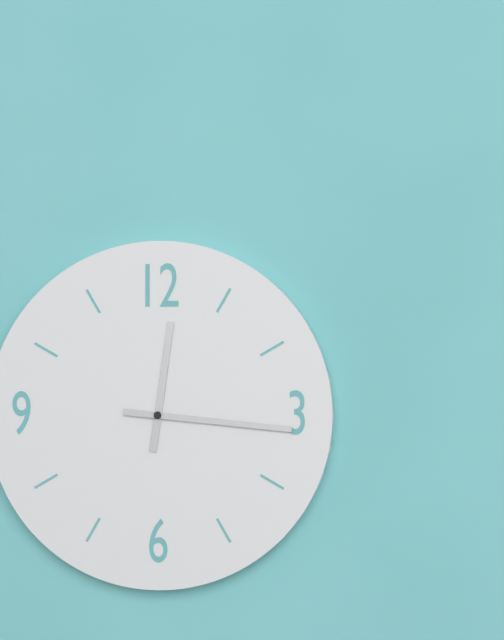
h=12 m=16
